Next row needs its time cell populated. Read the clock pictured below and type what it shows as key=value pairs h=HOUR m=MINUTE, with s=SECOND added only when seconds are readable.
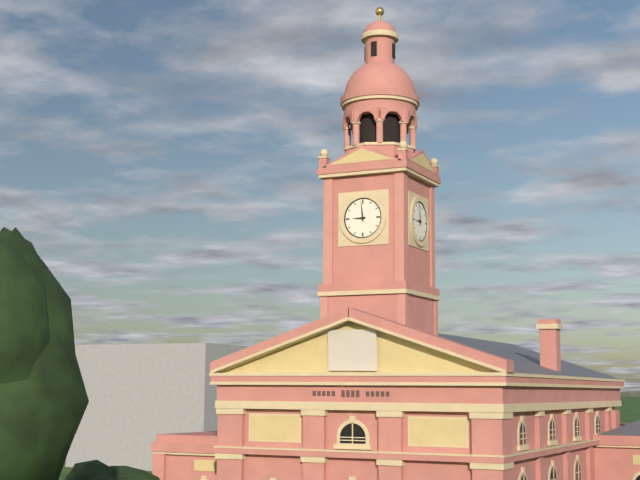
h=8 m=59
